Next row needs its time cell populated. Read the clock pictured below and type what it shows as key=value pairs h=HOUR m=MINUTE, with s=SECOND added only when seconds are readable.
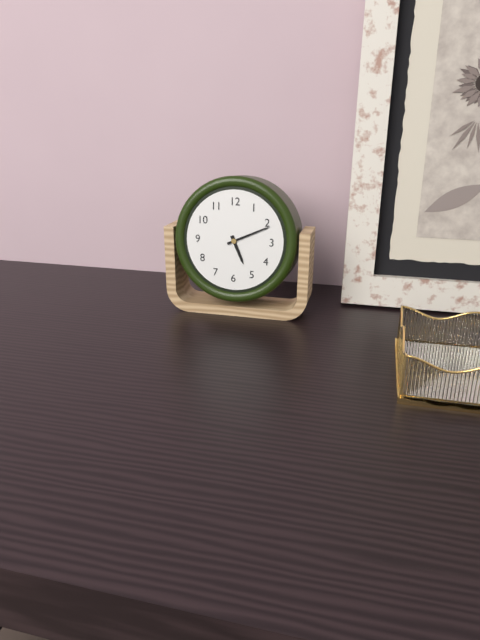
h=5 m=11
